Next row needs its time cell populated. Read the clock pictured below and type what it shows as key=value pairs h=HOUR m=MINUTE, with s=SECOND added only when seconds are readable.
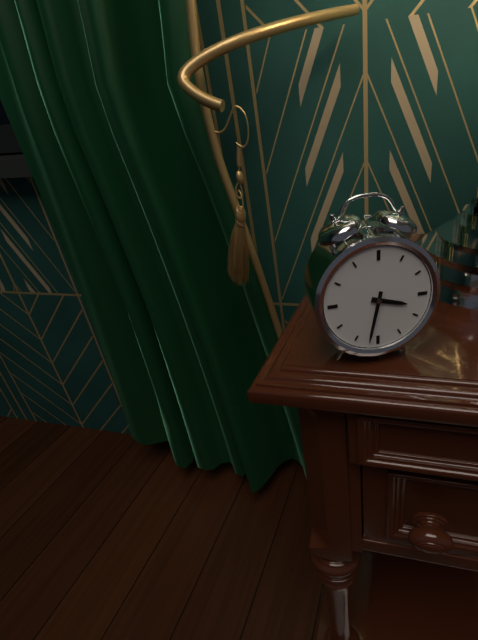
h=3 m=32
